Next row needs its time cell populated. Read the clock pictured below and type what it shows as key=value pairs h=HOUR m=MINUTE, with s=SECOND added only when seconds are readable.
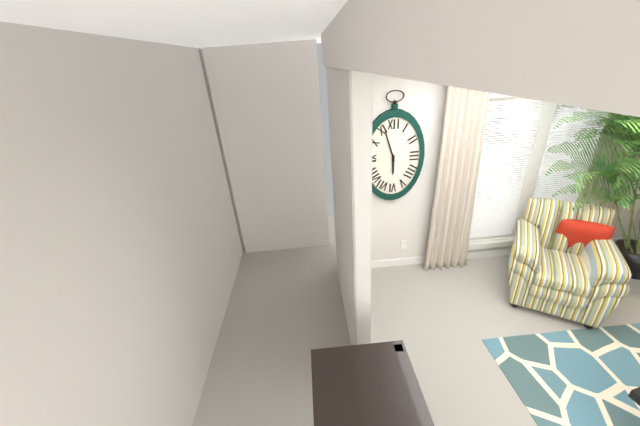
h=5 m=57
